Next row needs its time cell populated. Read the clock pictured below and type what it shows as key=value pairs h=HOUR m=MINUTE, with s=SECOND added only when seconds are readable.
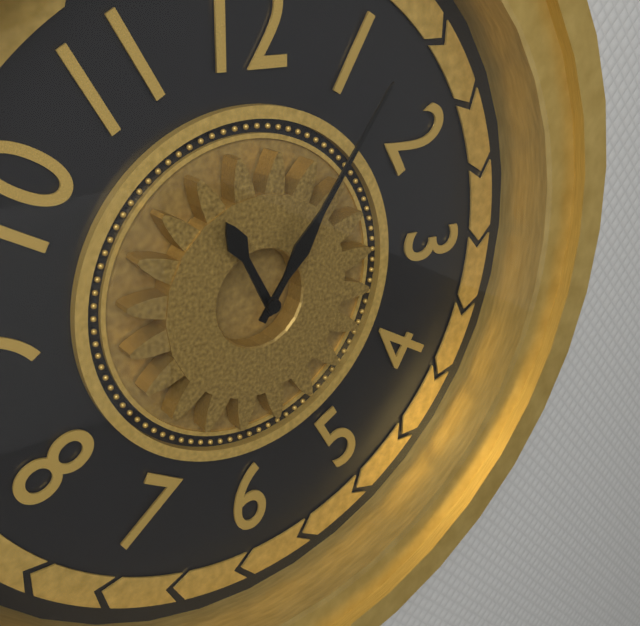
h=11 m=6
